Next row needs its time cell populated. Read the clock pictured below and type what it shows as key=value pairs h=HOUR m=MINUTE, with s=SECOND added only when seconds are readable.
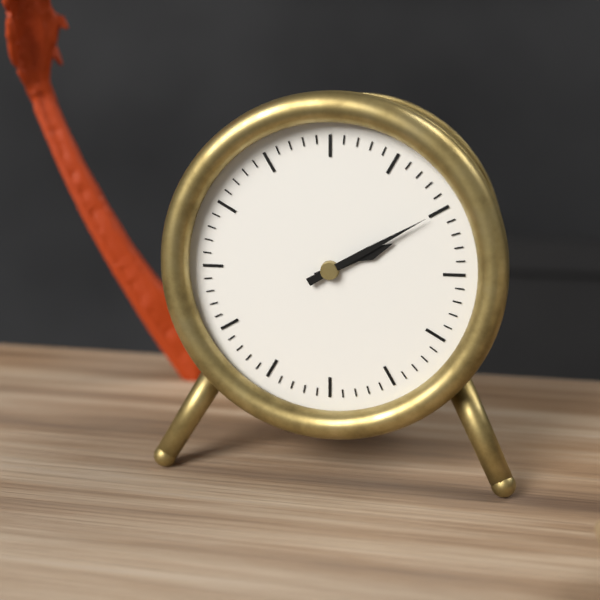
h=2 m=10
